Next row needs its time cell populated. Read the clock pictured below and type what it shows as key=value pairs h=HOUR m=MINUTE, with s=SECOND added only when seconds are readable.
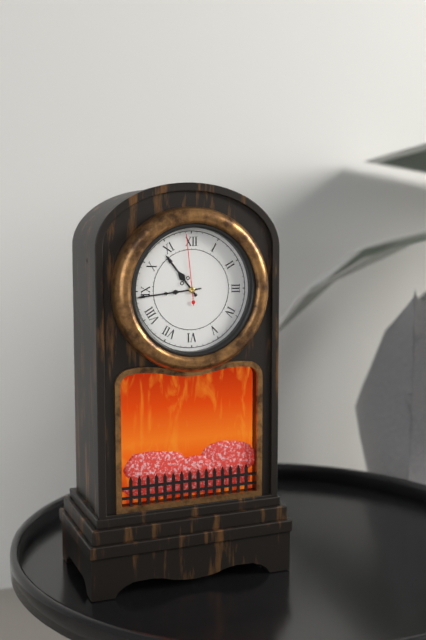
h=10 m=44 s=59
